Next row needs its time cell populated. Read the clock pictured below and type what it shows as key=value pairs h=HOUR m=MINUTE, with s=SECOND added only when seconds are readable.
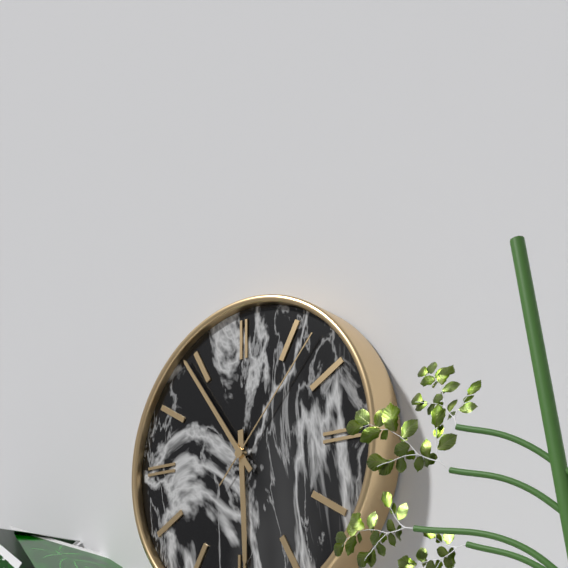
h=5 m=54 s=7
